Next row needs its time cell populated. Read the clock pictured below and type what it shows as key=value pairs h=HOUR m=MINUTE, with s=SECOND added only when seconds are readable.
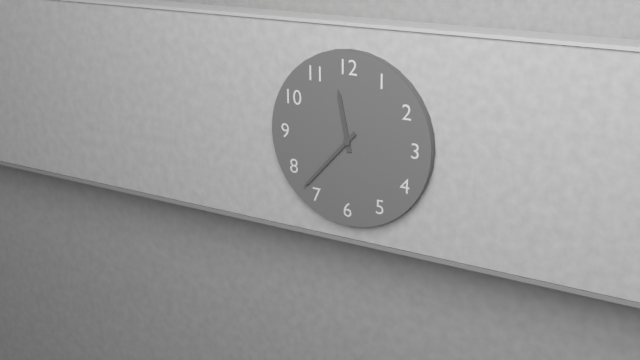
h=11 m=37
